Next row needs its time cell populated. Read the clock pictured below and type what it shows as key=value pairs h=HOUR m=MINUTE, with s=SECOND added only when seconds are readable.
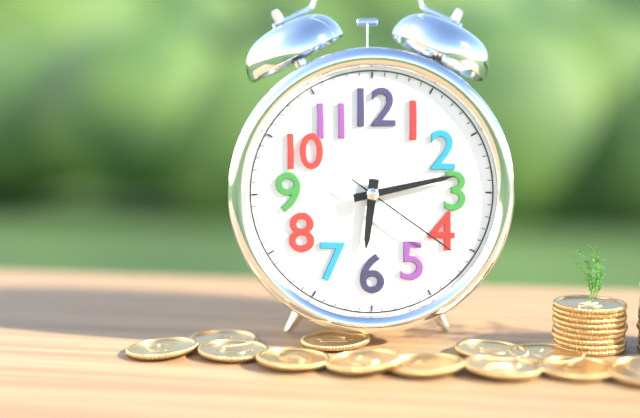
h=6 m=13 s=21
